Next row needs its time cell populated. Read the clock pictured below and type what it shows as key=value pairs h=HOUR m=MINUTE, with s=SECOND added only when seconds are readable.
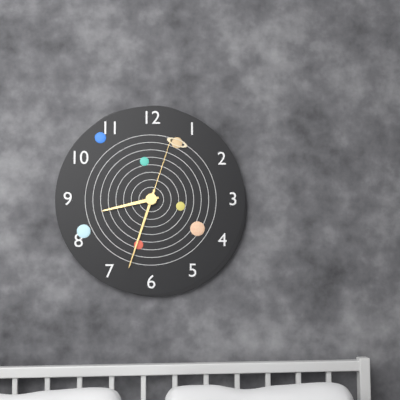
h=8 m=33 s=3
